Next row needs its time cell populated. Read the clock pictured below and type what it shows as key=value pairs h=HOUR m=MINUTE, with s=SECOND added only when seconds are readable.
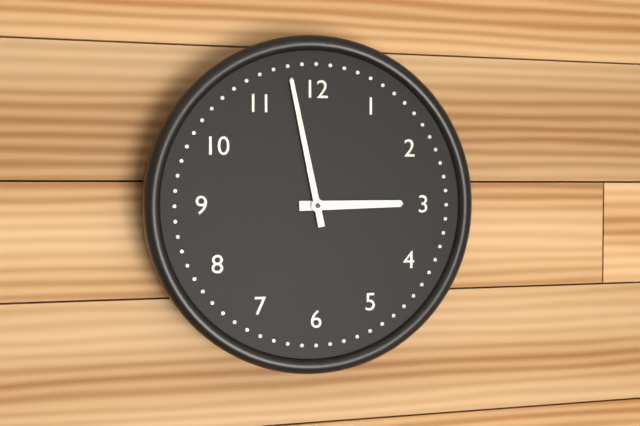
h=2 m=58
